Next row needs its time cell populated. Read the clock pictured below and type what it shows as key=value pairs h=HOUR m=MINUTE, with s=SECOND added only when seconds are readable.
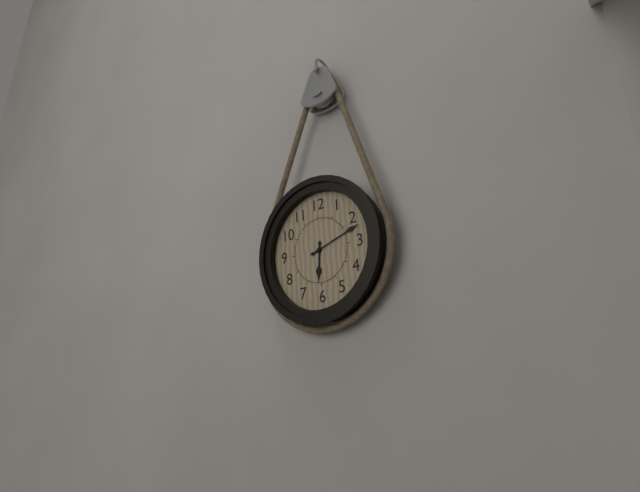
h=6 m=12
